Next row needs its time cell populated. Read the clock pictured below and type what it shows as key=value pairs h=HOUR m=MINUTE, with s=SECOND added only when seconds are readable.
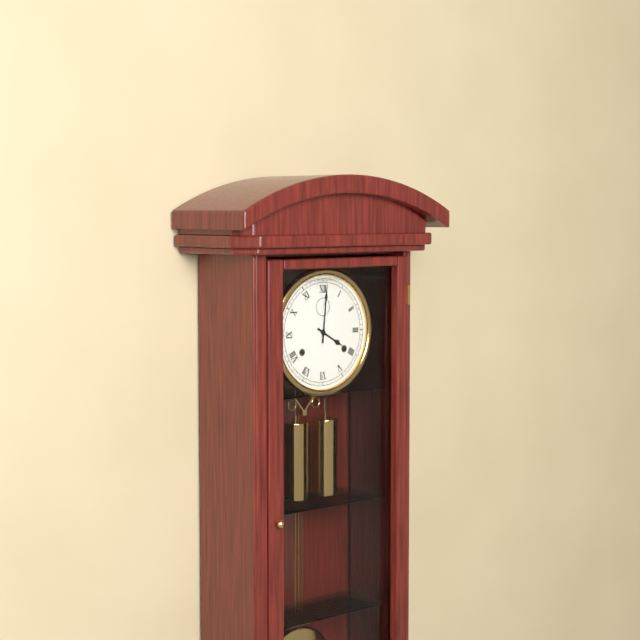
h=4 m=1
